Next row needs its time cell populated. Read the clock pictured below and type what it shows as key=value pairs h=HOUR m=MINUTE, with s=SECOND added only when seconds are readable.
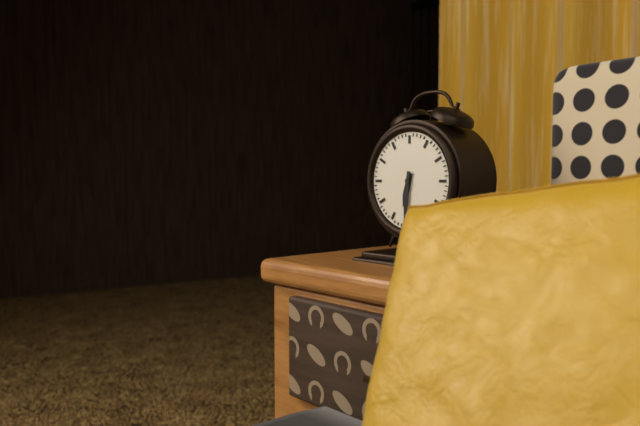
h=6 m=31
